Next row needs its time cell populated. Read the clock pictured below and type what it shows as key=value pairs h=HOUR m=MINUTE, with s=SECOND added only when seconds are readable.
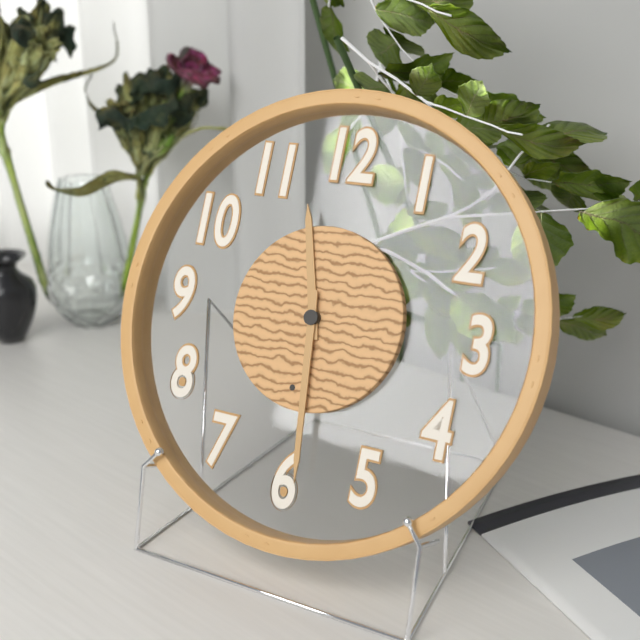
h=11 m=29
